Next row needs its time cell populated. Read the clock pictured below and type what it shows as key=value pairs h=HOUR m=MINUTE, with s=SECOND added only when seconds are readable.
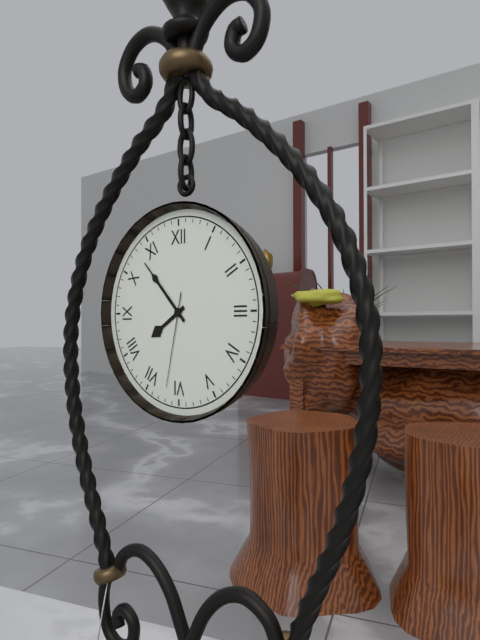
h=7 m=53 s=32
